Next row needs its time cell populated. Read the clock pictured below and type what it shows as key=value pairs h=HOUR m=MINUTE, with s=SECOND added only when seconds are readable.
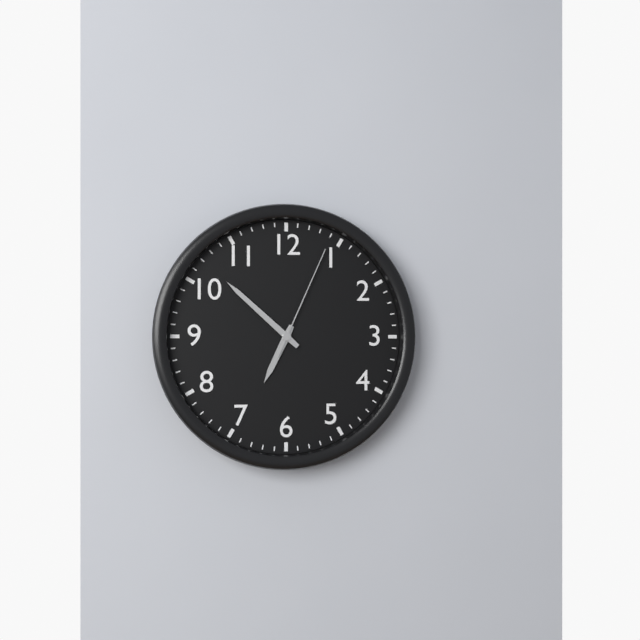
h=6 m=52 s=4
